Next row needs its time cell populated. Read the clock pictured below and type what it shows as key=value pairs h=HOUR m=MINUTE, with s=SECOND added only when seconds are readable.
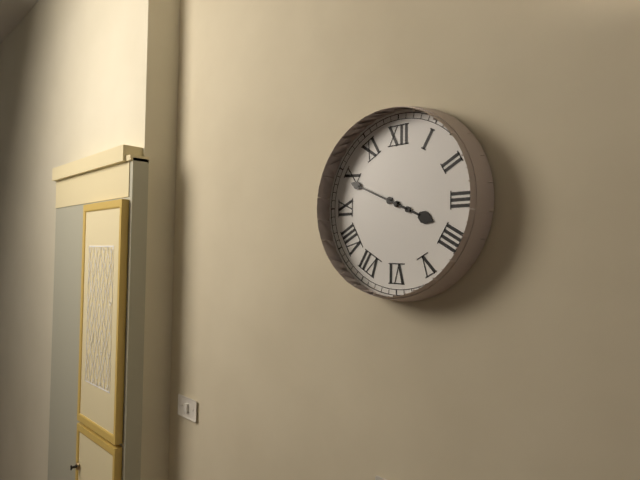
h=3 m=49
